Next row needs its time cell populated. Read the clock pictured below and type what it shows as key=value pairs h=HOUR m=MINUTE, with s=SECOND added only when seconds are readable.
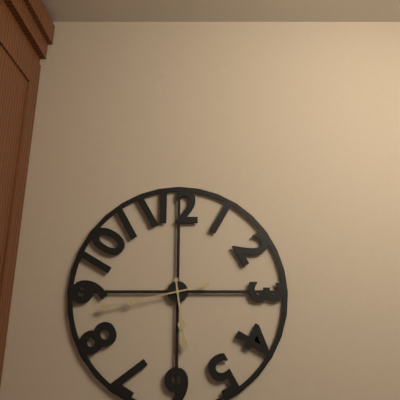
h=5 m=43
